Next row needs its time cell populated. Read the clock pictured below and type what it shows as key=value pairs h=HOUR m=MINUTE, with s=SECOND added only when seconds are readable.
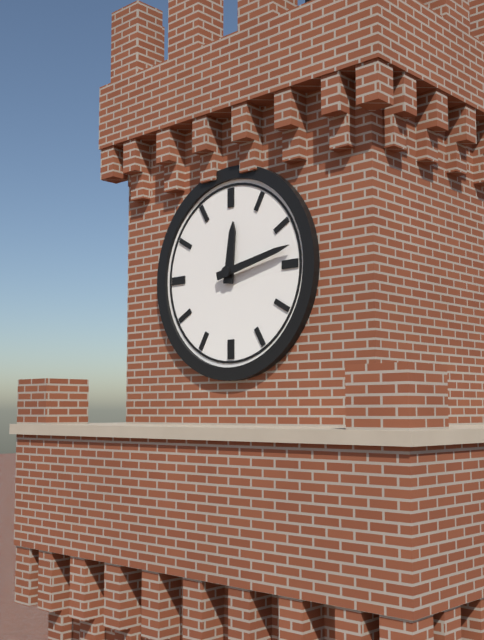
h=12 m=13
